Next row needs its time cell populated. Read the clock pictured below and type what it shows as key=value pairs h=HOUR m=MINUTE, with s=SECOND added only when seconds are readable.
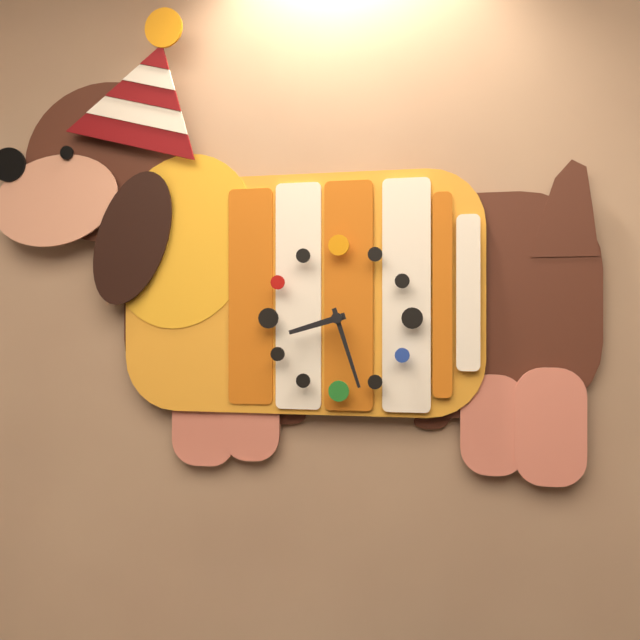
h=8 m=27
